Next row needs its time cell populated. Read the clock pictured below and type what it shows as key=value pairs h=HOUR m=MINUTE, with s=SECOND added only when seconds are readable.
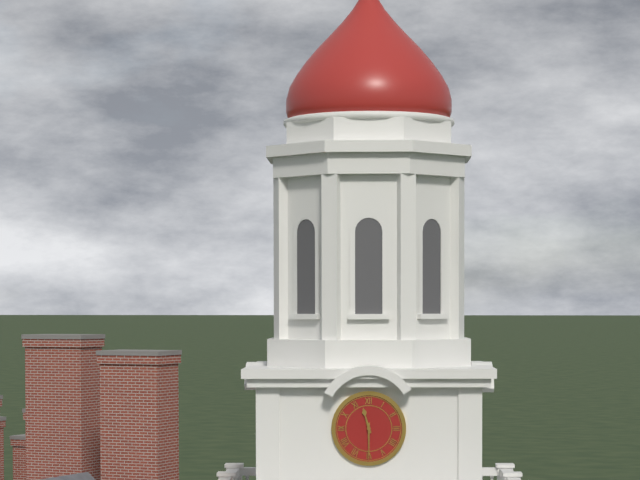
h=11 m=30
